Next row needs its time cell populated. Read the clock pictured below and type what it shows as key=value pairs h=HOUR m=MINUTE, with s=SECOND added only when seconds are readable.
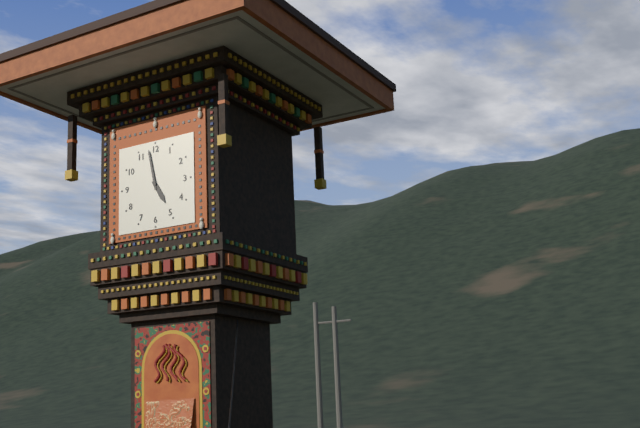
h=4 m=58
